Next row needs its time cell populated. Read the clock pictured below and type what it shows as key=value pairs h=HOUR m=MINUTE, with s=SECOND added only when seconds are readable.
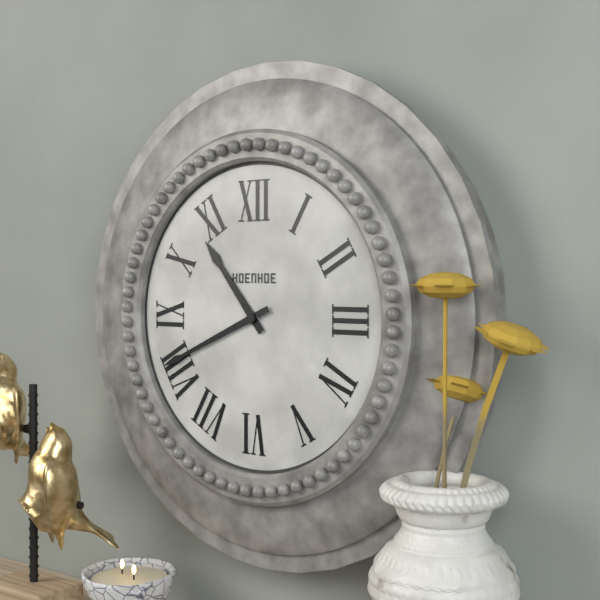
h=10 m=41
